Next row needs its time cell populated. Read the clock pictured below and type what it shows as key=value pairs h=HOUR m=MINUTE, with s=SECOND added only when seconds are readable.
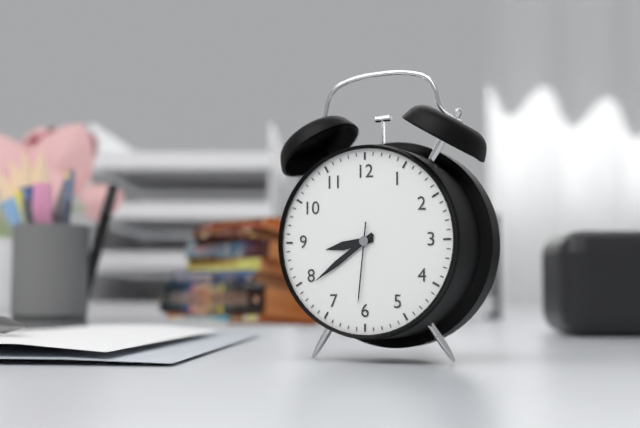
h=8 m=39 s=31
